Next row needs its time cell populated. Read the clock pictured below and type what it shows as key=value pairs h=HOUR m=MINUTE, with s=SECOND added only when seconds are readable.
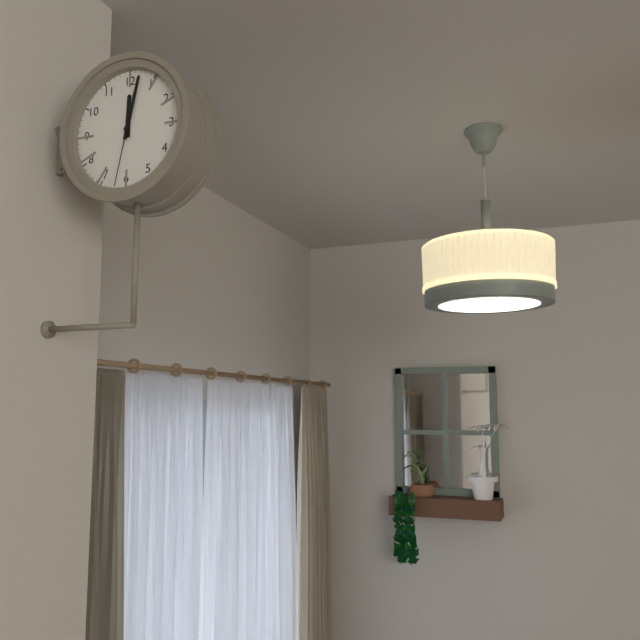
h=12 m=2 s=32
